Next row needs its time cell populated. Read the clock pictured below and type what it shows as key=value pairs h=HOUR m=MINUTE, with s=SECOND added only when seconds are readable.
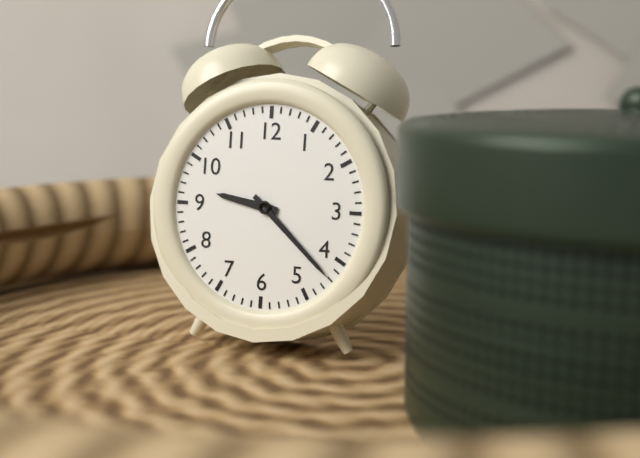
h=9 m=22
